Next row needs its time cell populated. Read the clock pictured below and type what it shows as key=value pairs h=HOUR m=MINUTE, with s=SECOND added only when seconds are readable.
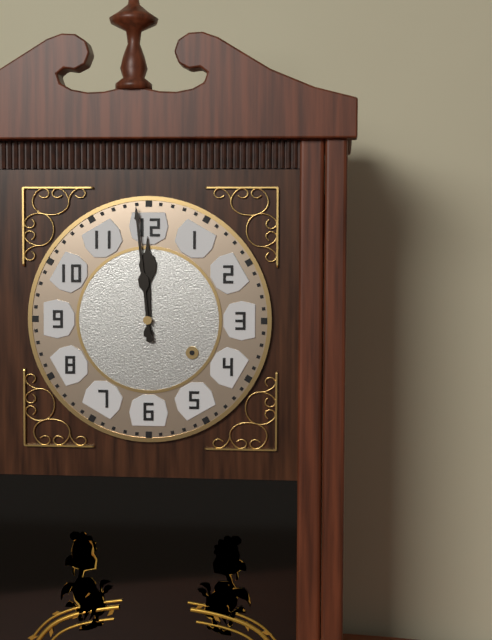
h=11 m=59
